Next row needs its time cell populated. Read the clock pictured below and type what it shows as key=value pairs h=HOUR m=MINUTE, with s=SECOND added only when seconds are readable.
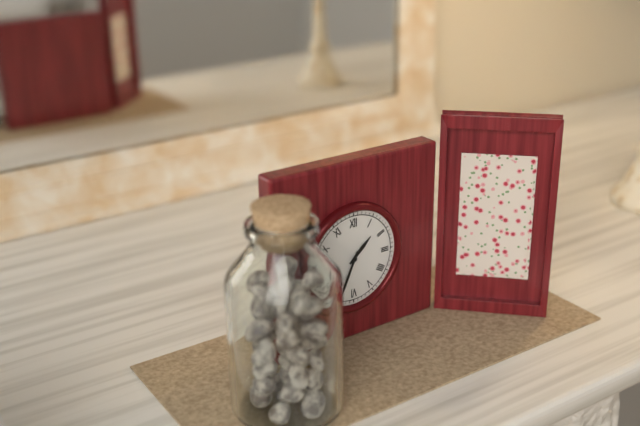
h=1 m=34
